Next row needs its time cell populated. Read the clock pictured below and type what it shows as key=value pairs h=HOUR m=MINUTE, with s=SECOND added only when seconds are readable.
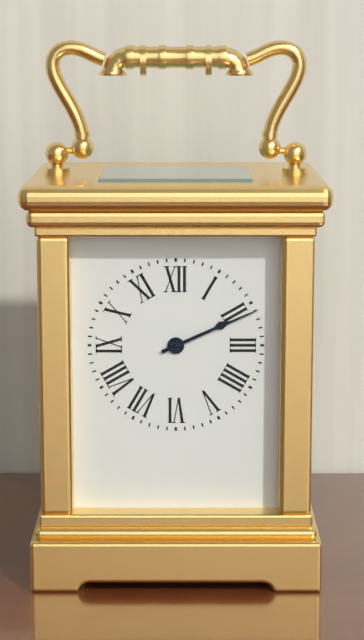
h=2 m=11
